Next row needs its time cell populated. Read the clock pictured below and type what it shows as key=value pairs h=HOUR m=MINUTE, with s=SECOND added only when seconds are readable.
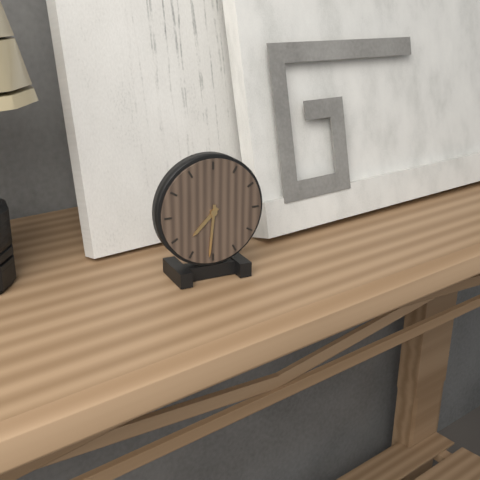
h=7 m=31
